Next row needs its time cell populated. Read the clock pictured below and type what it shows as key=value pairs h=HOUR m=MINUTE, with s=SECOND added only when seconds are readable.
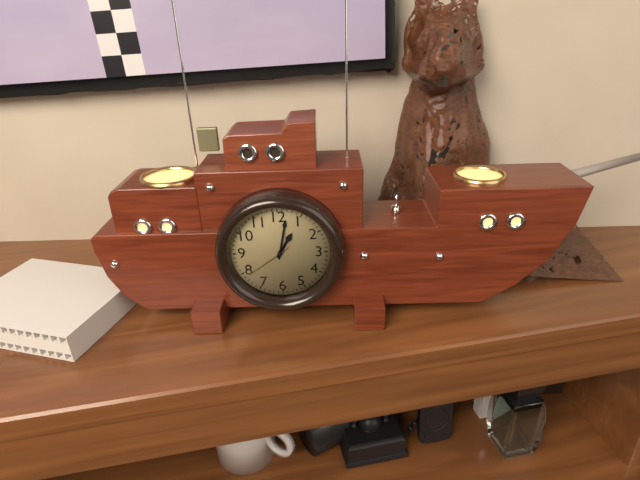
h=1 m=2 s=39
